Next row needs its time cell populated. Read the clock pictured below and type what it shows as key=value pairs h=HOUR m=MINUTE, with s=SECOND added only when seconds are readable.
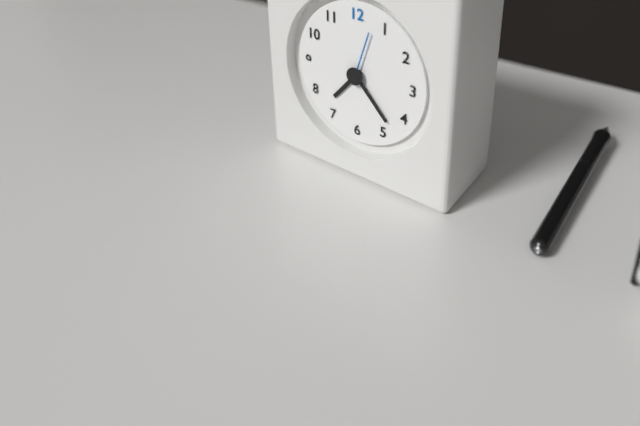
h=7 m=23 s=3
